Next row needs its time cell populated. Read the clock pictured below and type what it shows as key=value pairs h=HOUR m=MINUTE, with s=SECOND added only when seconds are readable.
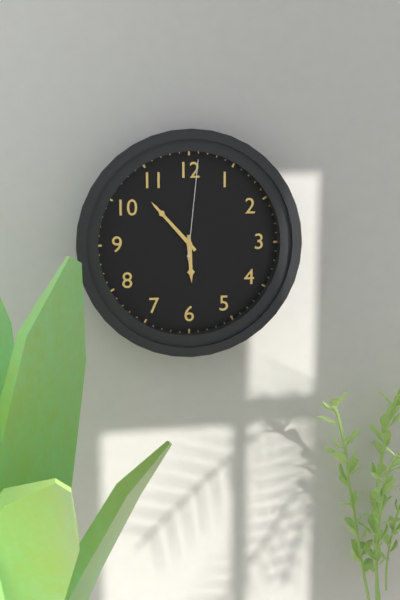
h=5 m=53 s=1
